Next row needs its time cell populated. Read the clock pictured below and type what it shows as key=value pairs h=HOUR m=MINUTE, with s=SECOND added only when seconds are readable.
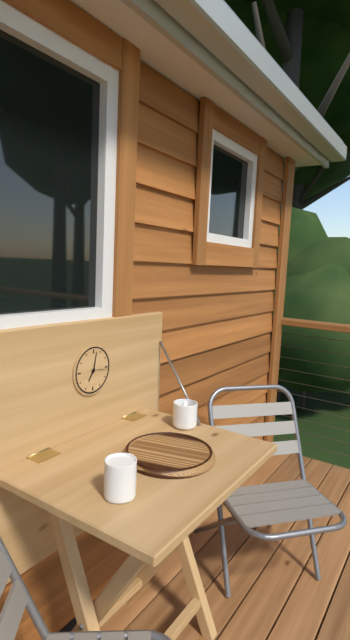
h=7 m=2
